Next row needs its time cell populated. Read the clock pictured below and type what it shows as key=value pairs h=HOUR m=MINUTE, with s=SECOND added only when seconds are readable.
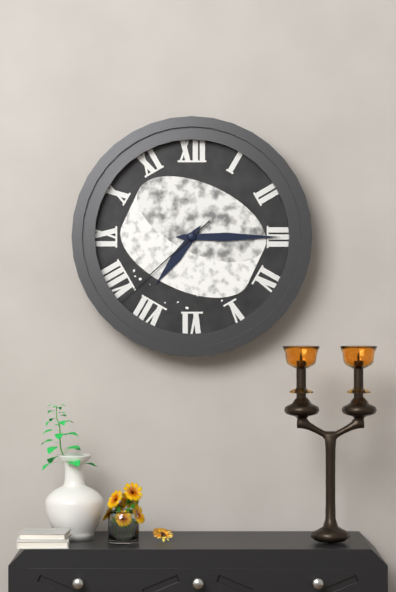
h=7 m=15 s=38
